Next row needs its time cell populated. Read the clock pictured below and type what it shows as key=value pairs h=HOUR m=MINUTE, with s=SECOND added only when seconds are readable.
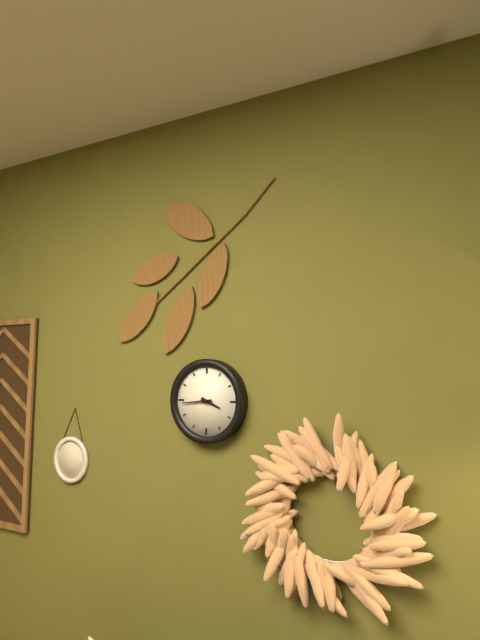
h=3 m=44
